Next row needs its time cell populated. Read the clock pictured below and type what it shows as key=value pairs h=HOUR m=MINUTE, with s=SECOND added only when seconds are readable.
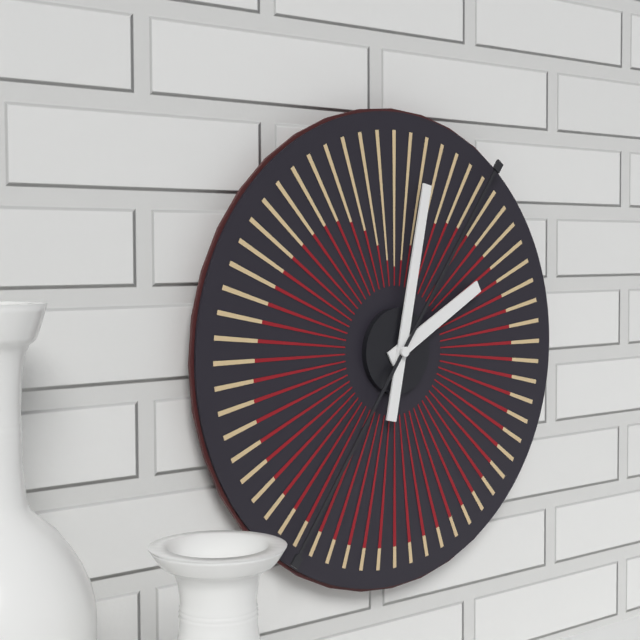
h=2 m=2
